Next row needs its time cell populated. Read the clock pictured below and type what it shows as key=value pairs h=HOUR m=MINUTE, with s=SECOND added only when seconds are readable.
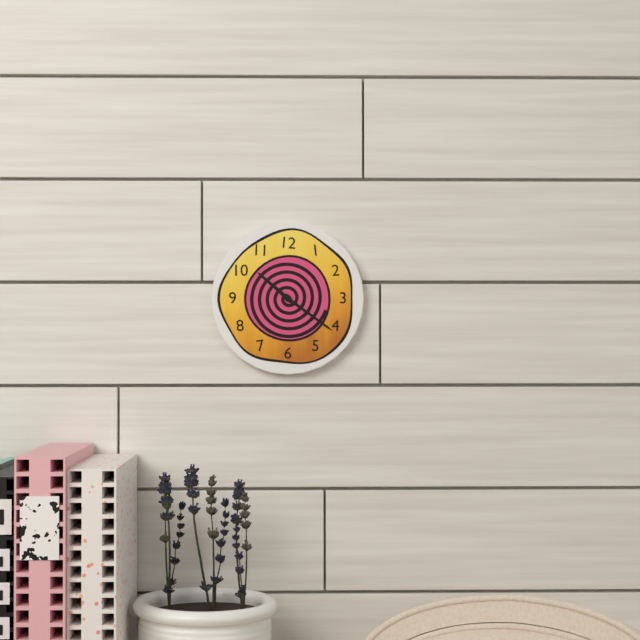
h=10 m=21
